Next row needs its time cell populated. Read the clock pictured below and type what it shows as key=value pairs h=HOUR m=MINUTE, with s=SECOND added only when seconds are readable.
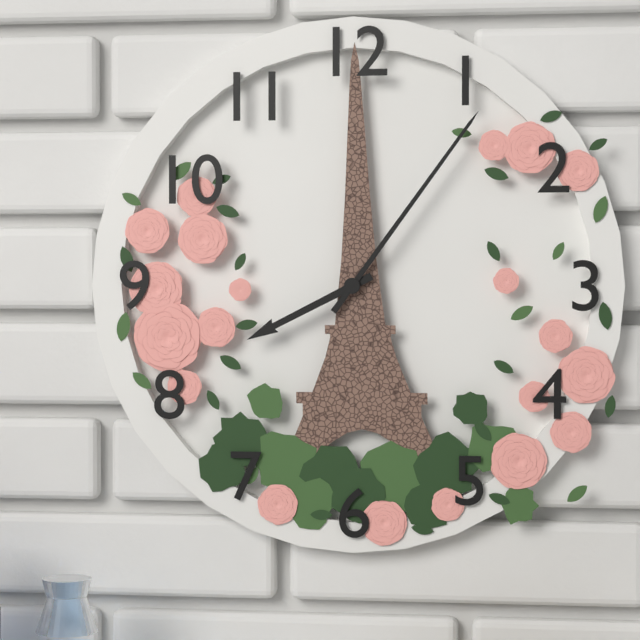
h=8 m=6
